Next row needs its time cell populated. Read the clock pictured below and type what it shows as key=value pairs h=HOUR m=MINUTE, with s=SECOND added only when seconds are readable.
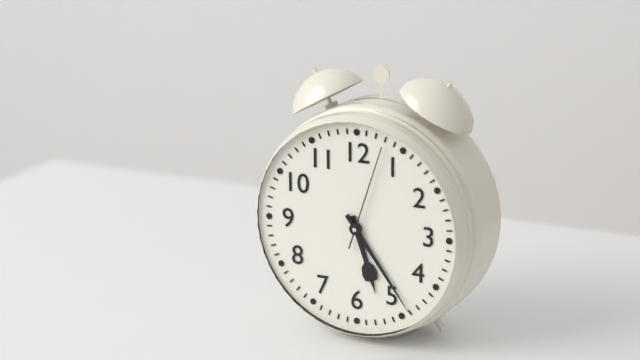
h=5 m=24 s=3
